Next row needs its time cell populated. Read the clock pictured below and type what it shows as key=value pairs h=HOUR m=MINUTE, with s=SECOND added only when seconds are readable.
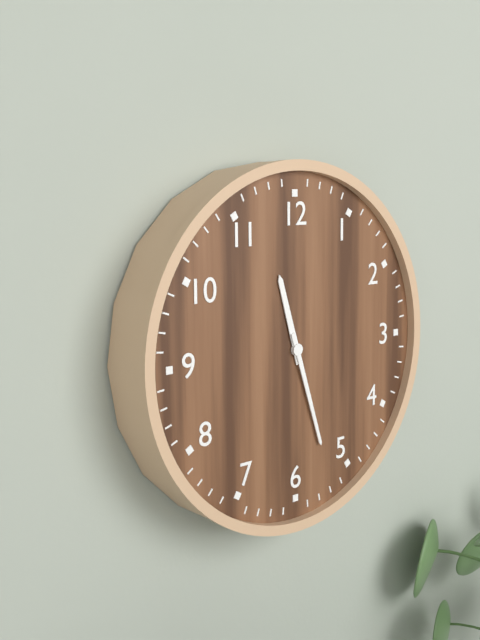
h=11 m=27
